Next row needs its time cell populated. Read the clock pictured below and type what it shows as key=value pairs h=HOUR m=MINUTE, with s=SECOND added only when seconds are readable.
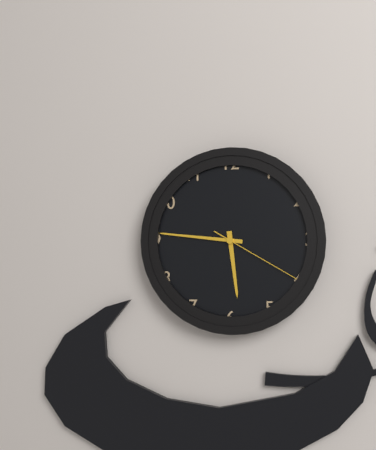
h=5 m=46 s=20
